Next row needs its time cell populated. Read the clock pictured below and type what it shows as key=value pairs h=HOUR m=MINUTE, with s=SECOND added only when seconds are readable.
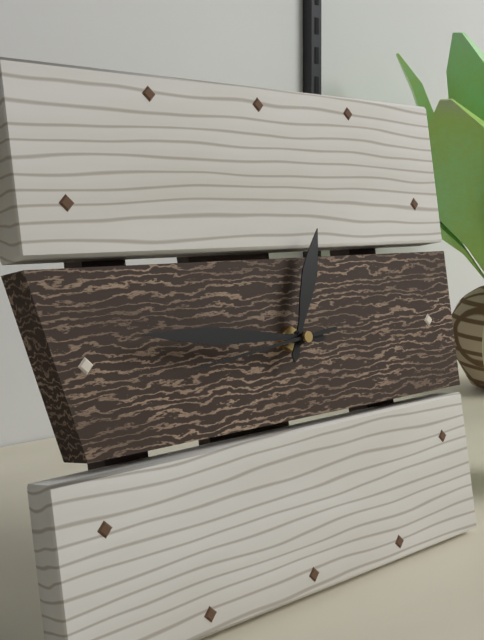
h=12 m=46 s=44
